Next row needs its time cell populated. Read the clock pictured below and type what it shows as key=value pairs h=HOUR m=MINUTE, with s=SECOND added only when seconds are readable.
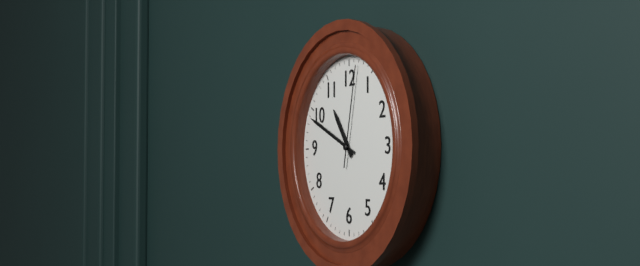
h=10 m=49 s=2
